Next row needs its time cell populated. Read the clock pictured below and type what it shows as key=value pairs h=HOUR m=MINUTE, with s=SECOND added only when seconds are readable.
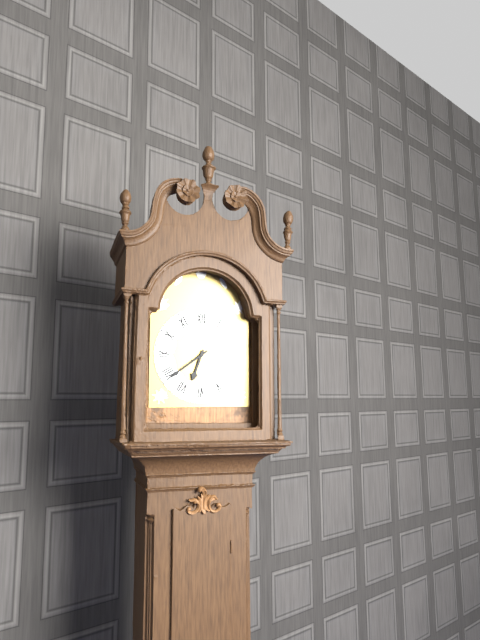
h=6 m=39
